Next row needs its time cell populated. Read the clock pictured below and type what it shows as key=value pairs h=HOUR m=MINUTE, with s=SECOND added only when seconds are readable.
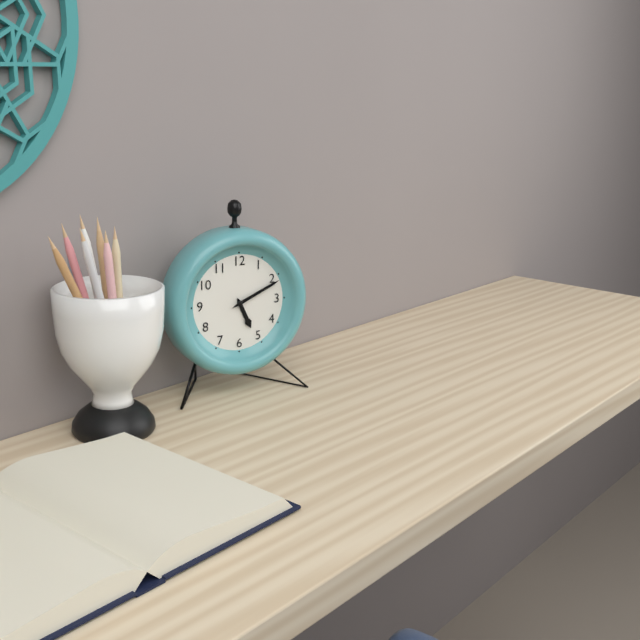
h=5 m=11
